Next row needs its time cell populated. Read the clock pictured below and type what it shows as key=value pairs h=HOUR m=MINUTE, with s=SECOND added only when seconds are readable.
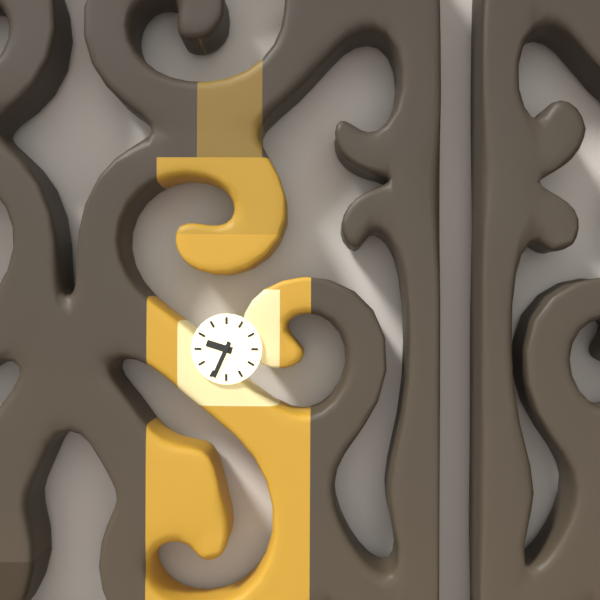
h=9 m=34
